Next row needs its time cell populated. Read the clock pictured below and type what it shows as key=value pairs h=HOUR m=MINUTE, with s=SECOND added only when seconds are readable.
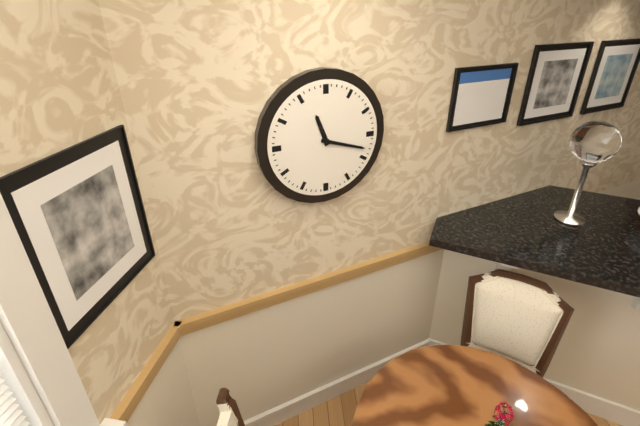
h=11 m=18
